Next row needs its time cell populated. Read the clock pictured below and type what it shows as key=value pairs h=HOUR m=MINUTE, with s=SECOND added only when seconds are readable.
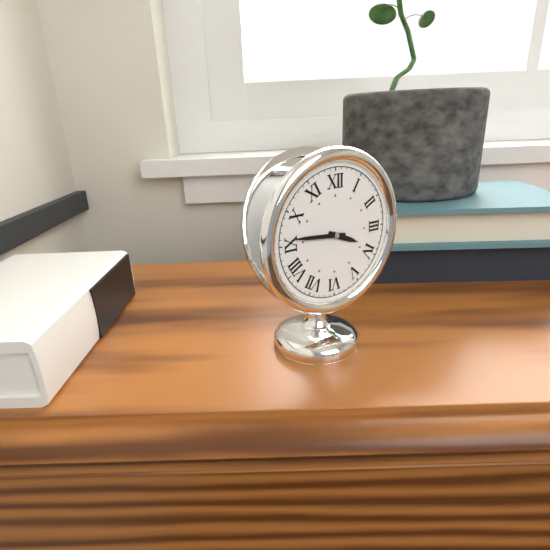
h=3 m=46
